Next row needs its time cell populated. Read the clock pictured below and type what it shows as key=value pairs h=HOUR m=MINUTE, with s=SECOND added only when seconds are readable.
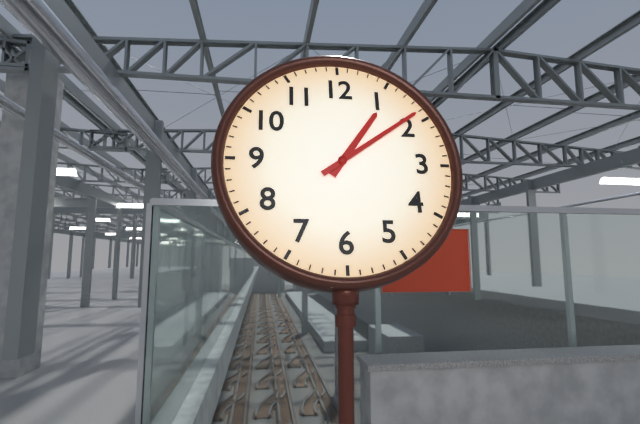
h=1 m=9
